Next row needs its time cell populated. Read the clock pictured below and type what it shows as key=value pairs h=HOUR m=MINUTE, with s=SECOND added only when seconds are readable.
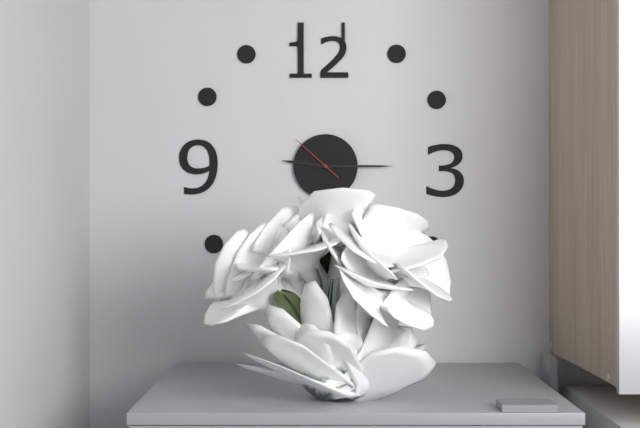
h=9 m=15 s=52
